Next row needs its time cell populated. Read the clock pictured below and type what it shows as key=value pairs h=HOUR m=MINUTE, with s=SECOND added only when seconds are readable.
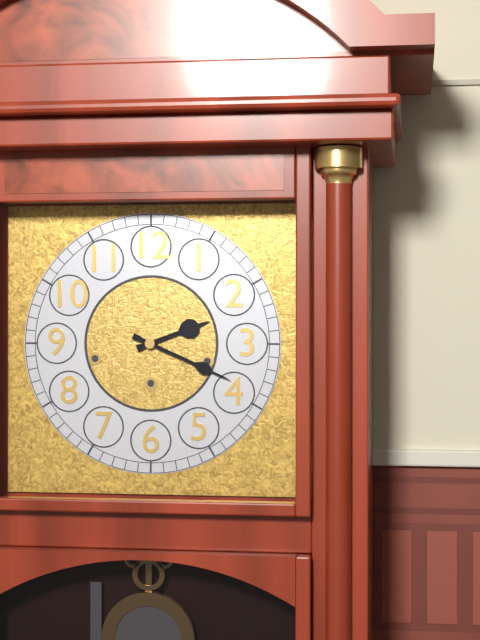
h=2 m=19
